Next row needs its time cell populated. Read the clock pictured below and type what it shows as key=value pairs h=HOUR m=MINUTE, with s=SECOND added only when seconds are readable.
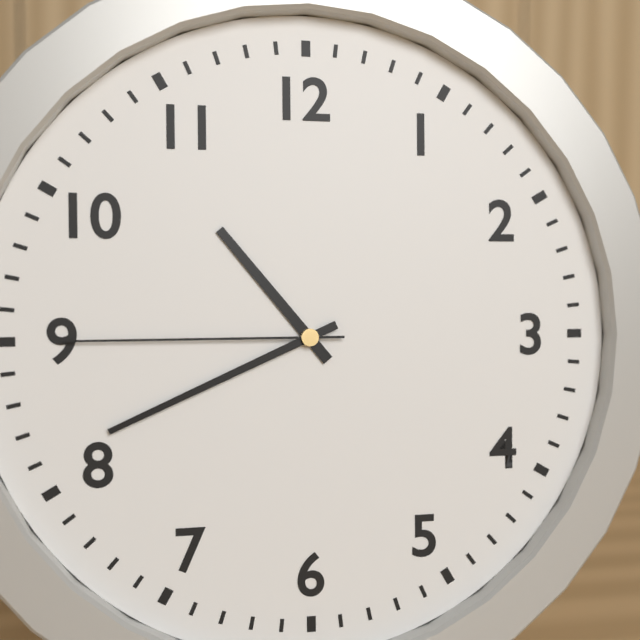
h=10 m=41 s=45
